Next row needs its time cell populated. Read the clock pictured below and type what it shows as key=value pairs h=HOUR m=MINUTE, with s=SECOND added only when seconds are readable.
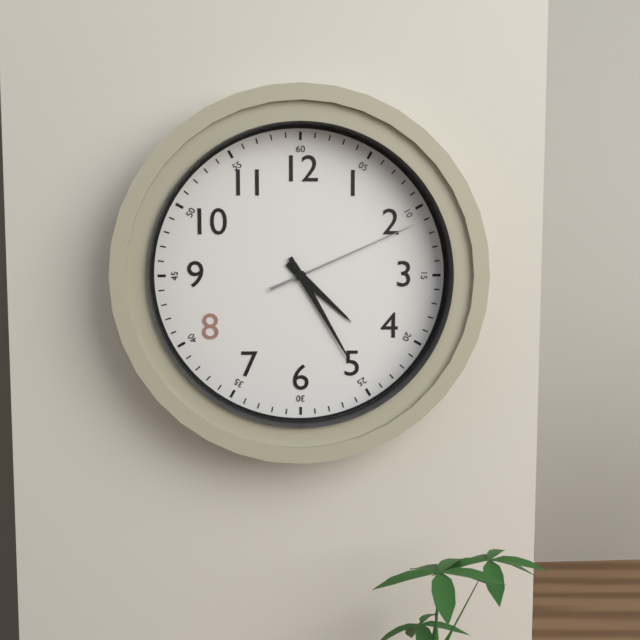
h=4 m=25 s=11
